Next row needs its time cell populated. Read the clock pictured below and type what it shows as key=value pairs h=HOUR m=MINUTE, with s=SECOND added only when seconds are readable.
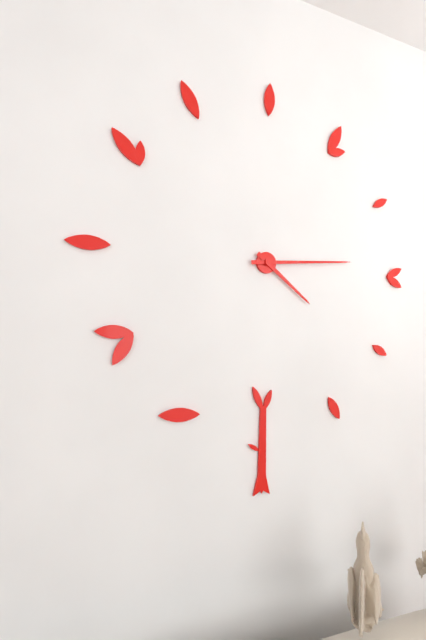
h=4 m=14
